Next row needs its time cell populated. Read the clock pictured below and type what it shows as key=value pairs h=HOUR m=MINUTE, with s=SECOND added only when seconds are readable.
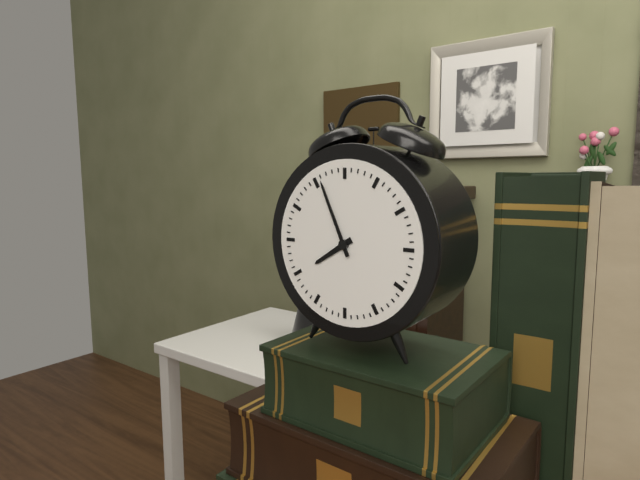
h=7 m=56
